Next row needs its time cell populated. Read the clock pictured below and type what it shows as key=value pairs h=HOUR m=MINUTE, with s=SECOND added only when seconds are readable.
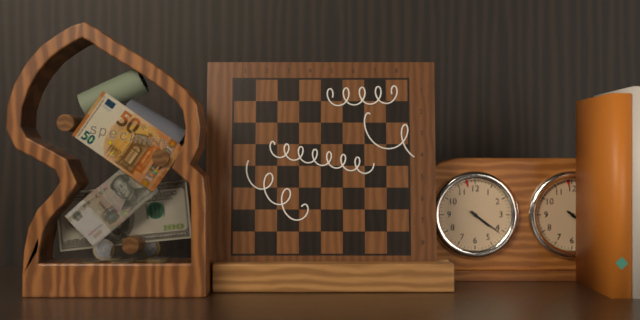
h=4 m=21
